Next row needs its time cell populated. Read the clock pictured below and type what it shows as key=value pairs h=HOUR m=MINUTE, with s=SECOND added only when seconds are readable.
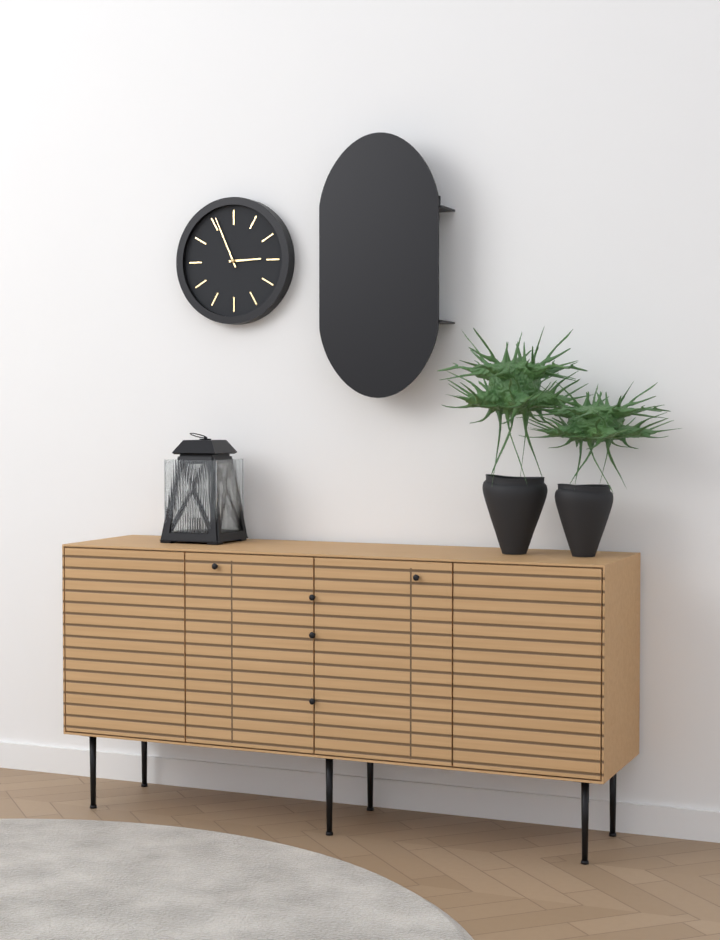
h=2 m=56
